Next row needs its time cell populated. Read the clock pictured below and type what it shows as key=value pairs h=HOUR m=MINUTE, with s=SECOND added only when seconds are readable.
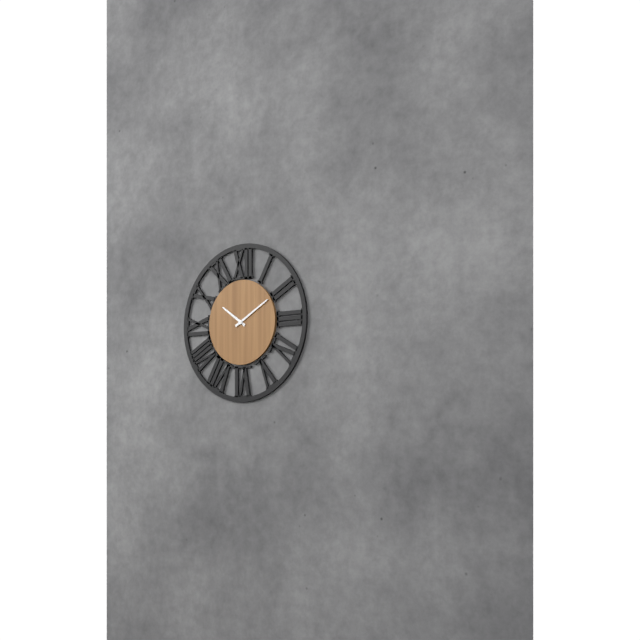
h=10 m=10
